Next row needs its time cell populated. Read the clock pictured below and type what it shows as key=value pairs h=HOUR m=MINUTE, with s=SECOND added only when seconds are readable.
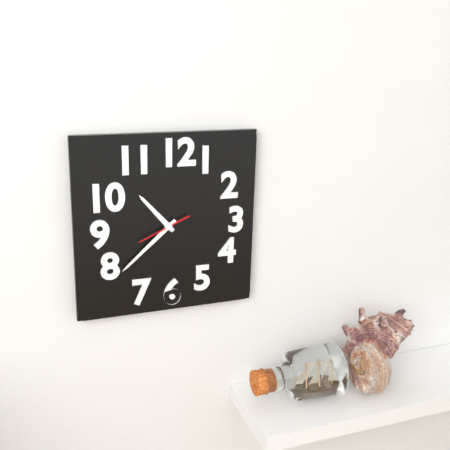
h=10 m=38
